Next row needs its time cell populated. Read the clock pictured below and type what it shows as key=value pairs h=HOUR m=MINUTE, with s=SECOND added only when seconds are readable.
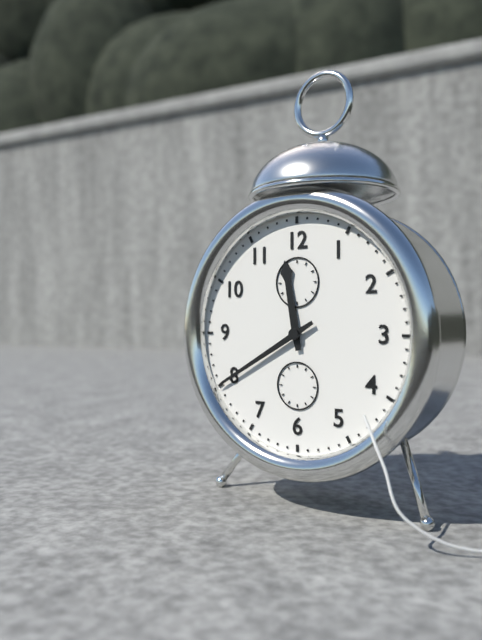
h=11 m=40
